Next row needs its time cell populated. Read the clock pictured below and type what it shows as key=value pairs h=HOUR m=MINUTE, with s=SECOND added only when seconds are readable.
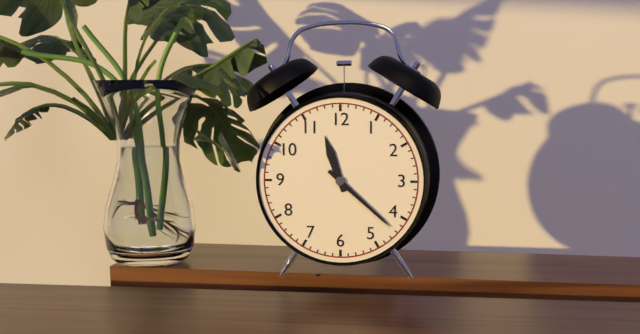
h=11 m=22
